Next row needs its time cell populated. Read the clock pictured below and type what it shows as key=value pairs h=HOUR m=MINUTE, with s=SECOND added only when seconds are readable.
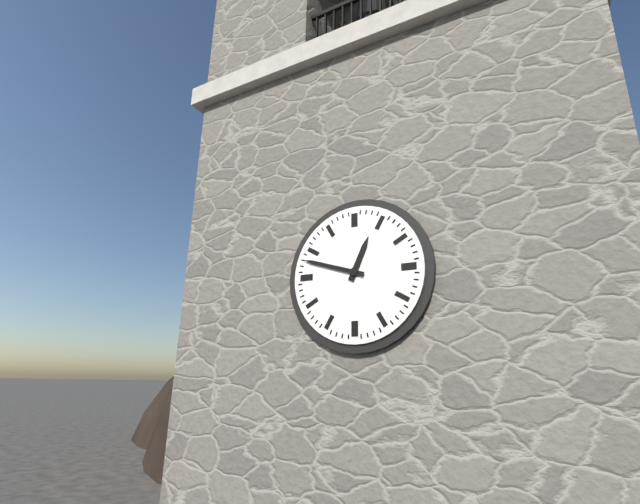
h=12 m=48
